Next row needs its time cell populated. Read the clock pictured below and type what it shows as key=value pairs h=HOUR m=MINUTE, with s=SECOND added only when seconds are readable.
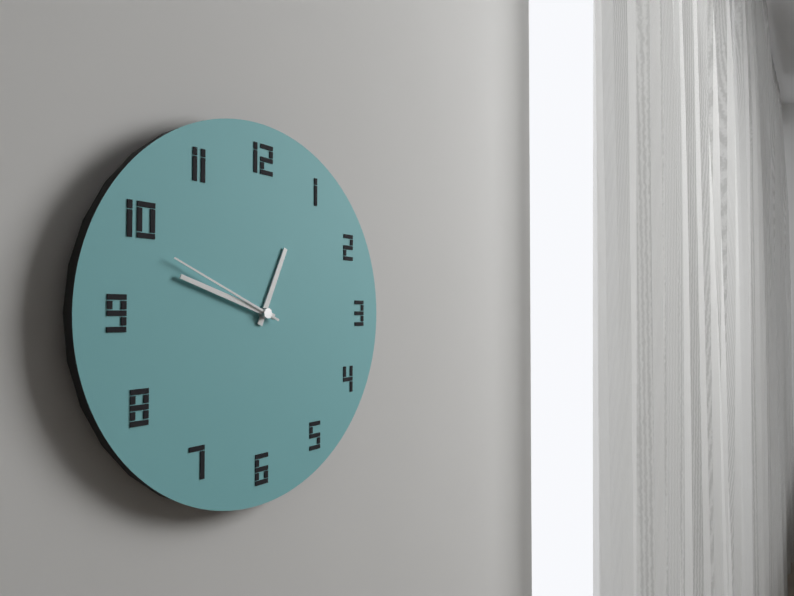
h=12 m=48 s=49
